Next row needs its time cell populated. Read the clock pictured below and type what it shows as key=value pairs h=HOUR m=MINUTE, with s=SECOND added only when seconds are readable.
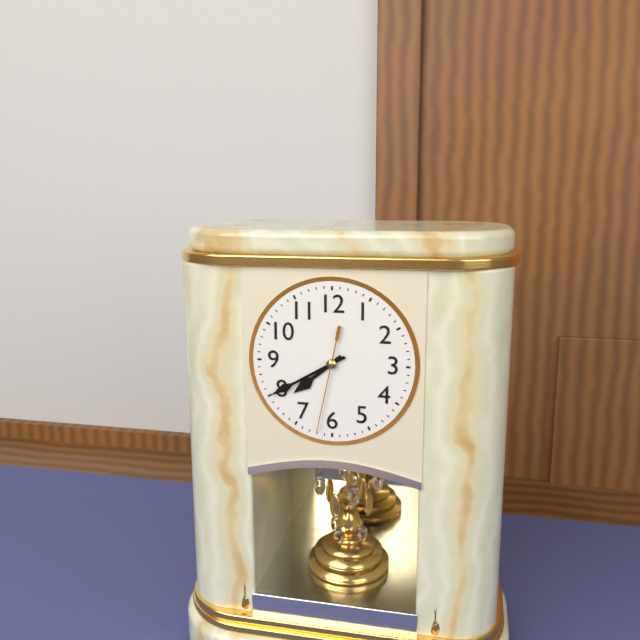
h=7 m=40 s=32
